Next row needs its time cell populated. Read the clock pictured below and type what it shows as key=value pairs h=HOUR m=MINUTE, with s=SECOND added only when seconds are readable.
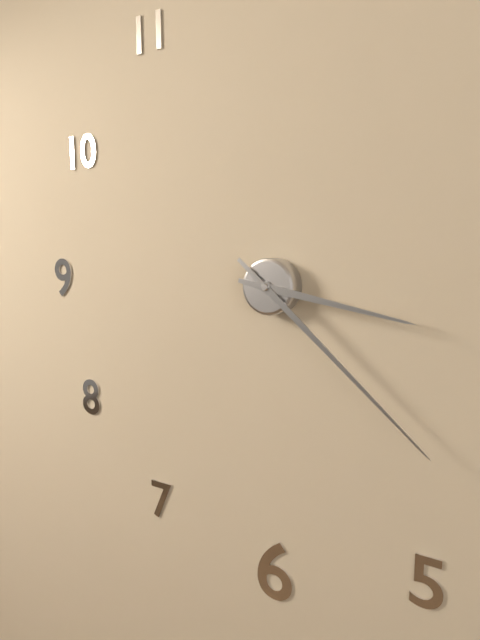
h=3 m=22
